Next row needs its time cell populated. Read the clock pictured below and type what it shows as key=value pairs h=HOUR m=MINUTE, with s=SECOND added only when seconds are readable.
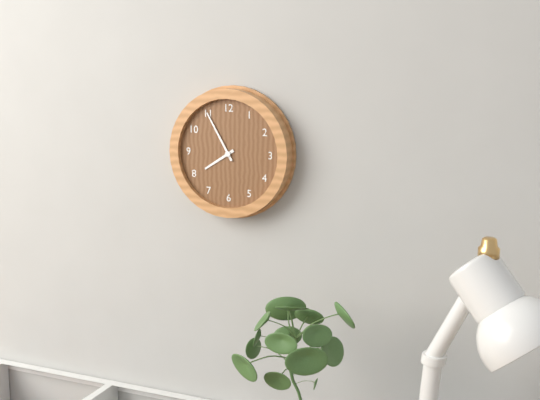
h=7 m=55
